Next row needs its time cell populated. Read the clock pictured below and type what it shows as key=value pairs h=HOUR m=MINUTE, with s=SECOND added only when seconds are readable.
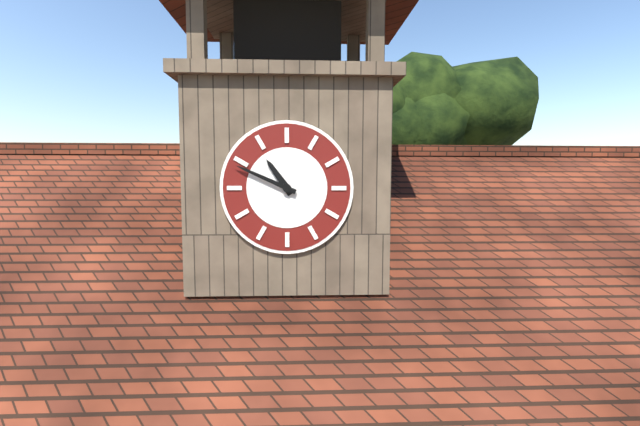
h=10 m=49
